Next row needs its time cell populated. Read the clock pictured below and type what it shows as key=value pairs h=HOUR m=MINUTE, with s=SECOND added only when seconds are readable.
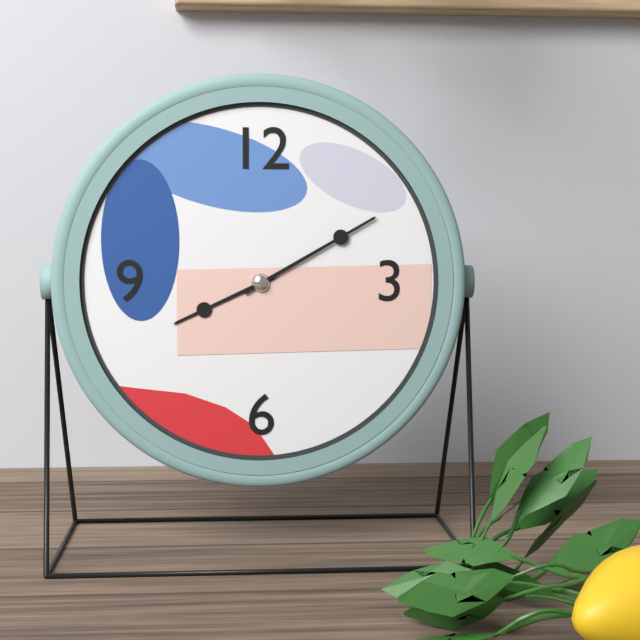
h=8 m=10
